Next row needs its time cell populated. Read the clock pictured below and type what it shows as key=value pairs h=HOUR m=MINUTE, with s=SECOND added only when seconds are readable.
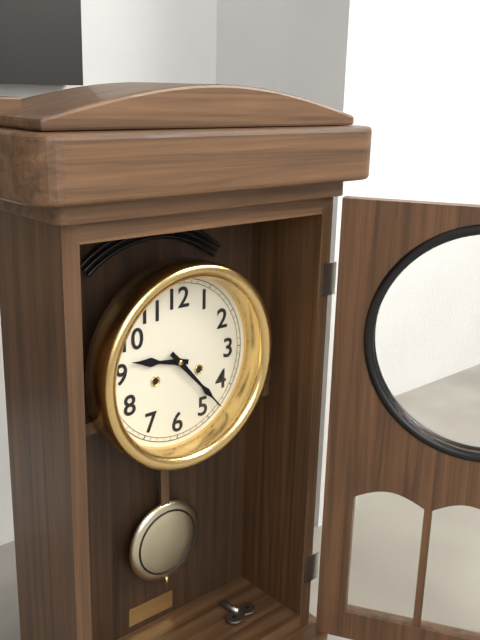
h=9 m=23
